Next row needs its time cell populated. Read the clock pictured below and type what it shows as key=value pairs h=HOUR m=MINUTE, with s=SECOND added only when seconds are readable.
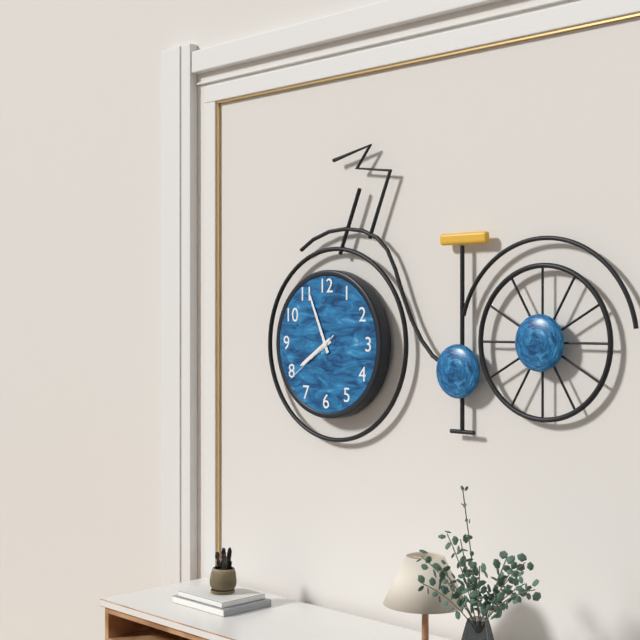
h=7 m=56 s=39
